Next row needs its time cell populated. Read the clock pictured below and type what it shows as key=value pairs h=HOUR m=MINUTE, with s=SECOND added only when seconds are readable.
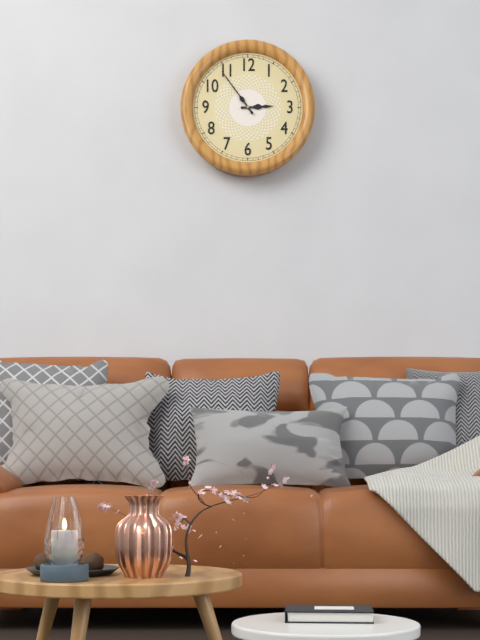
h=2 m=54
